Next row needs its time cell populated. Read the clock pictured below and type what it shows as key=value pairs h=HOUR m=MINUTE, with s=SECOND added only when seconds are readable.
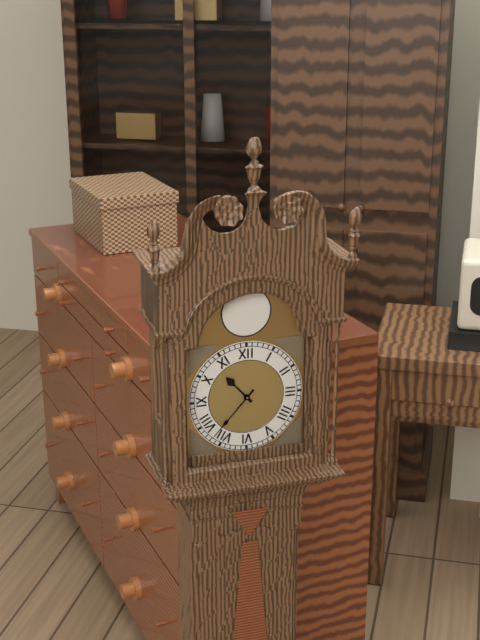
h=10 m=37
